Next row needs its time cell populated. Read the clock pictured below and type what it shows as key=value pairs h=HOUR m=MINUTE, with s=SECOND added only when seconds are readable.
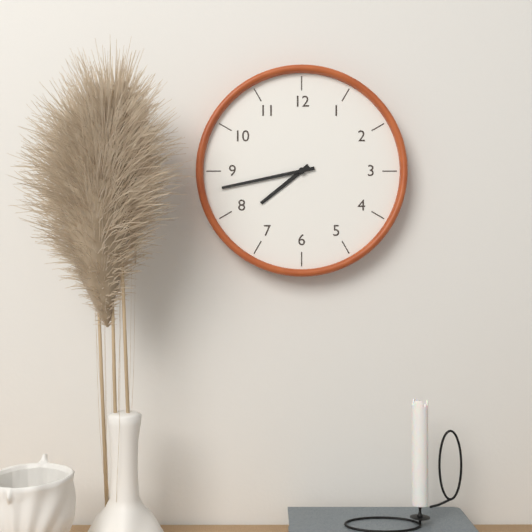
h=7 m=43
